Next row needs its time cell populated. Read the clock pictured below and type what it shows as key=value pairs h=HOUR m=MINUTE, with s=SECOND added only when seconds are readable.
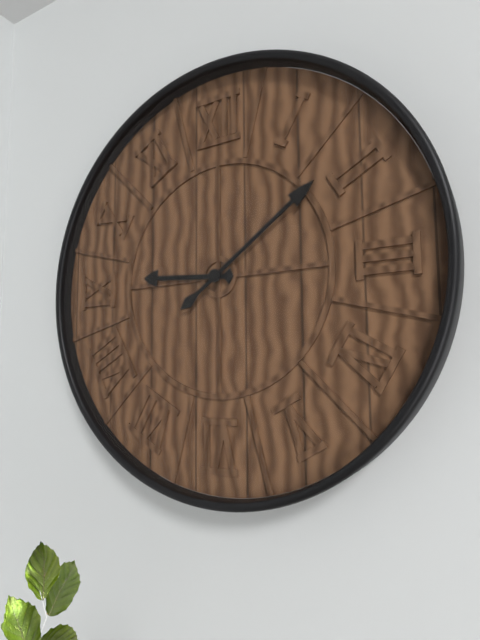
h=9 m=9
